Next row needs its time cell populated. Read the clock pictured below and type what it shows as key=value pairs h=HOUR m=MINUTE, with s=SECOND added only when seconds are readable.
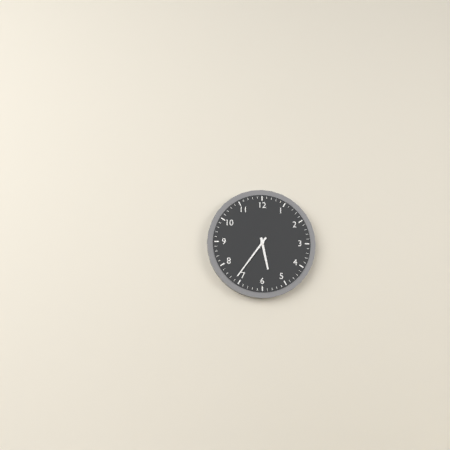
h=5 m=36
